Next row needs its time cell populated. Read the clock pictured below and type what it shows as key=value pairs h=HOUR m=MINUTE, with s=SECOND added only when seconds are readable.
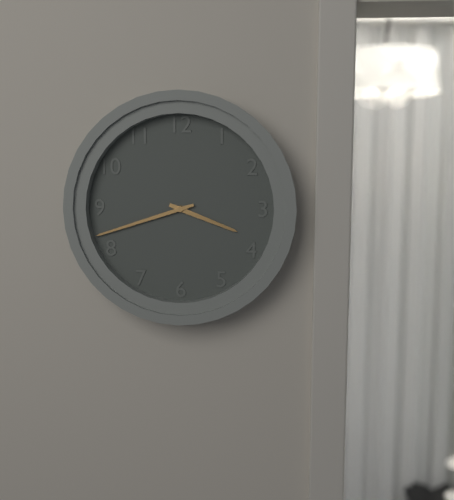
h=3 m=42
